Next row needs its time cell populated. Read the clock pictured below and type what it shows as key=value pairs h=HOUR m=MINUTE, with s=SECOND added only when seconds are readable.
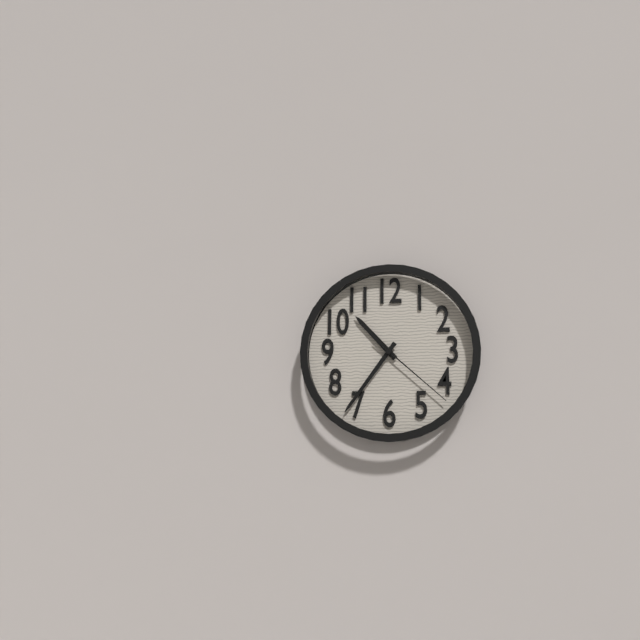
h=10 m=36 s=22
